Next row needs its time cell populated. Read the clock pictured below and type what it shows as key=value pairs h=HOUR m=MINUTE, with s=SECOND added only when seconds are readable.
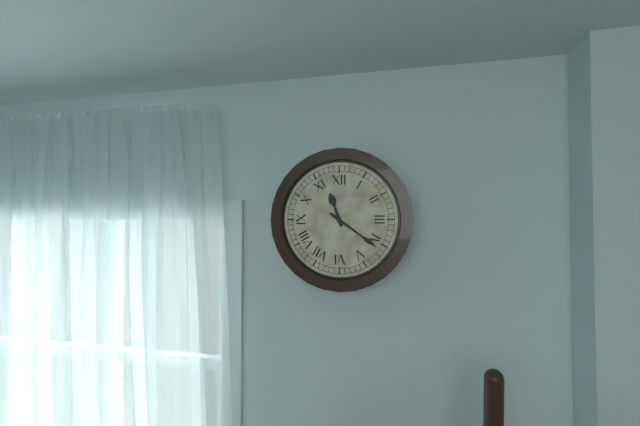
h=11 m=21
